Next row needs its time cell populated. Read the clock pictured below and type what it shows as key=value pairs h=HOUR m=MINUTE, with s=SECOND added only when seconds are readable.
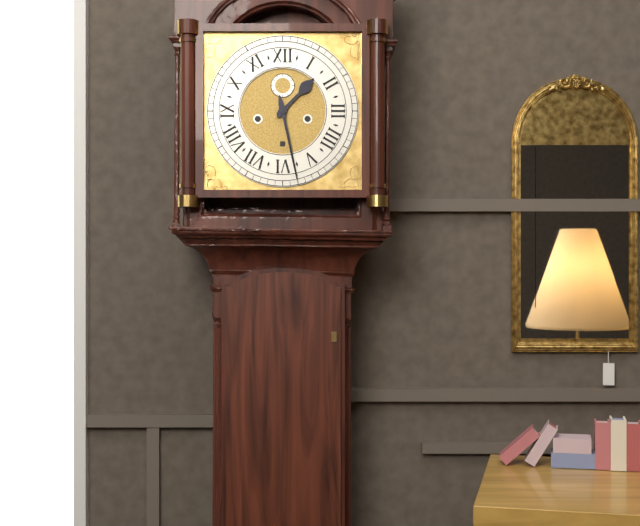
h=1 m=28
